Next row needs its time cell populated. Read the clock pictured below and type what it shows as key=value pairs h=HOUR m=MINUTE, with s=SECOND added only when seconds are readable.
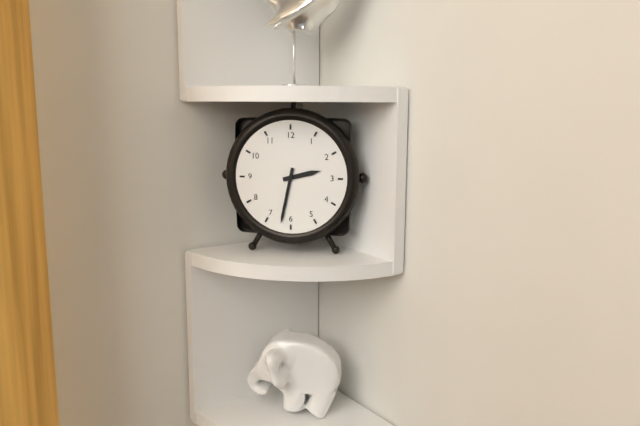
h=2 m=32
